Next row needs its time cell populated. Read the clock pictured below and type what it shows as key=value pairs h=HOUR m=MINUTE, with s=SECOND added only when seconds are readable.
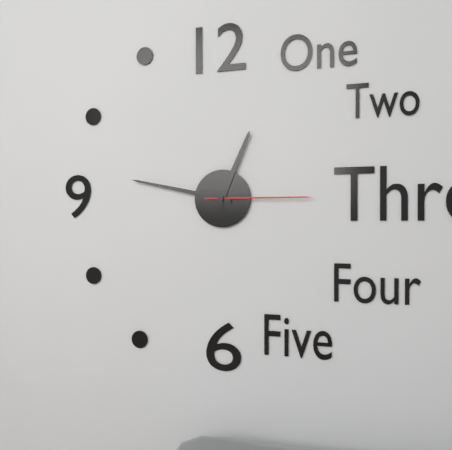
h=12 m=47 s=15
